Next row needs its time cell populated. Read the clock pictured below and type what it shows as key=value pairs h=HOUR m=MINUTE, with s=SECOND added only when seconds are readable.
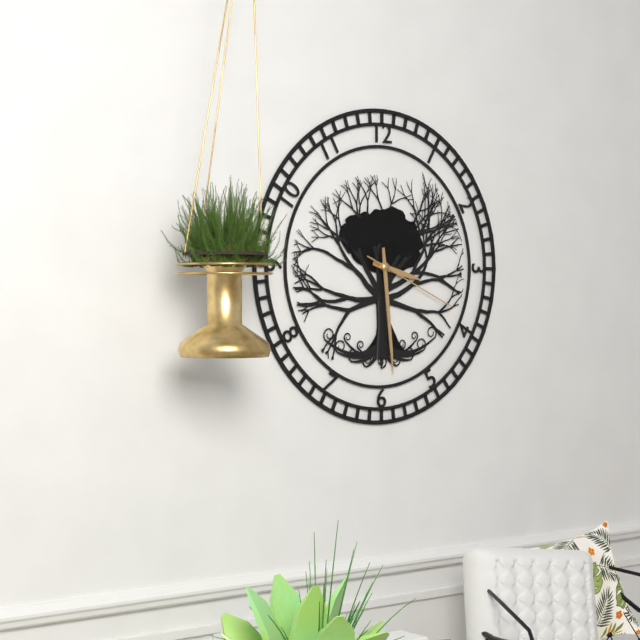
h=3 m=29 s=19
